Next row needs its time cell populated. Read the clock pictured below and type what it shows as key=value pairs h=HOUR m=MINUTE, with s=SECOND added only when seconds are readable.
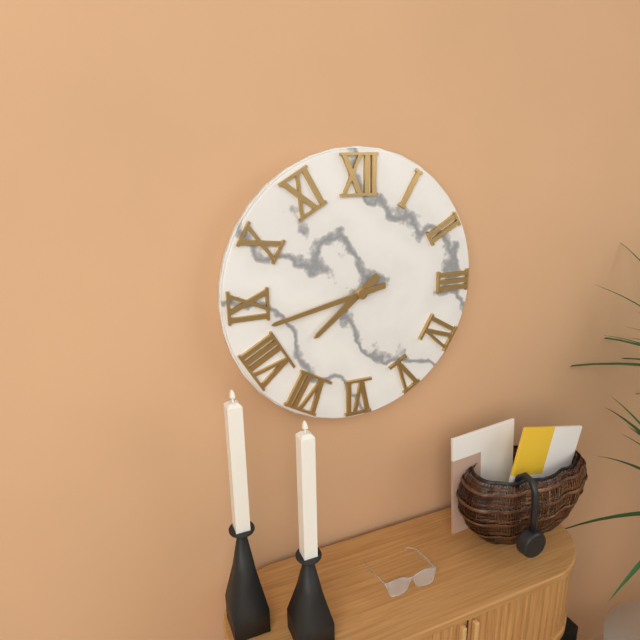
h=7 m=43
